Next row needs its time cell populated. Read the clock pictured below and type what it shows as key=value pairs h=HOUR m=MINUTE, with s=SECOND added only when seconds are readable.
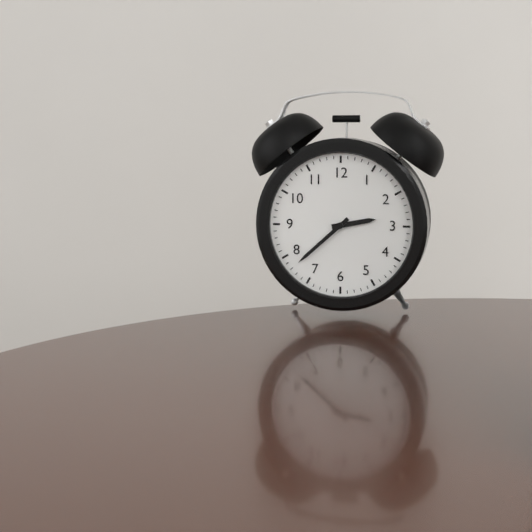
h=2 m=38
